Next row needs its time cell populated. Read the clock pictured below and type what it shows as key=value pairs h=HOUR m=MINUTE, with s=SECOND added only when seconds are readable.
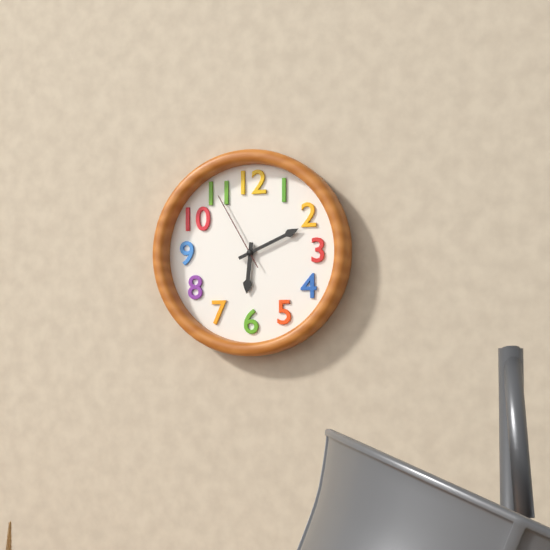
h=6 m=11 s=55
